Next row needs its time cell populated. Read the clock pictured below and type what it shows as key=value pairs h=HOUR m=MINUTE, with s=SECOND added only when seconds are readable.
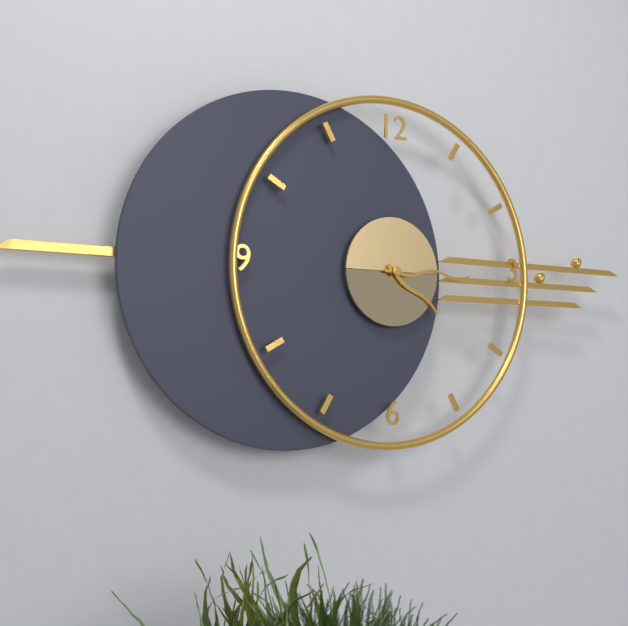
h=4 m=15
